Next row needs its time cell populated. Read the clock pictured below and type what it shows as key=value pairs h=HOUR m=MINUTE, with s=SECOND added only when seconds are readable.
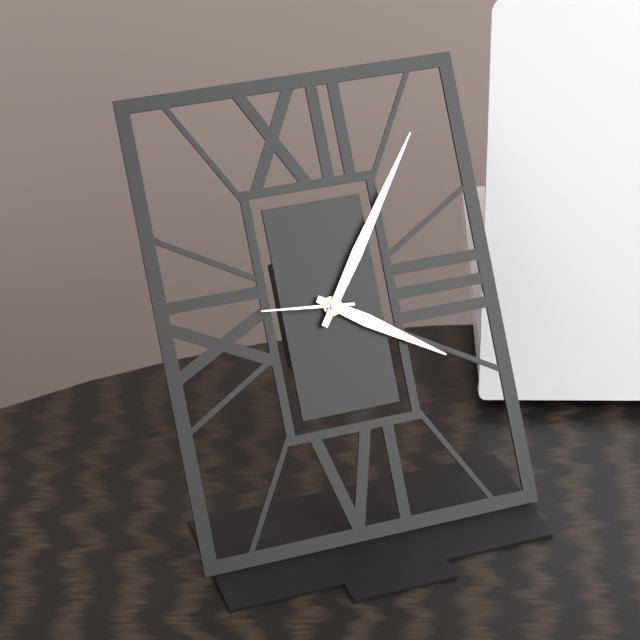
h=4 m=6 s=46
